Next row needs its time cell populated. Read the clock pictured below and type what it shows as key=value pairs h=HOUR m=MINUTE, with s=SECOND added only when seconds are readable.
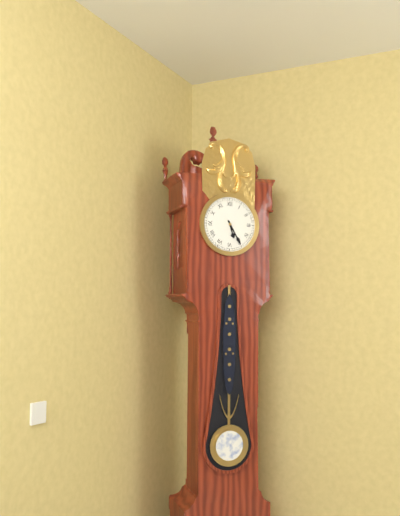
h=5 m=25
